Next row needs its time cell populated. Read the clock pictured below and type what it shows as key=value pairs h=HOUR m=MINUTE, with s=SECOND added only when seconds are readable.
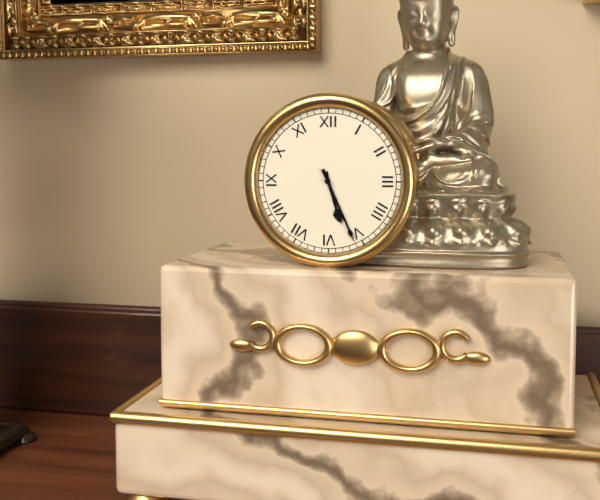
h=5 m=26
